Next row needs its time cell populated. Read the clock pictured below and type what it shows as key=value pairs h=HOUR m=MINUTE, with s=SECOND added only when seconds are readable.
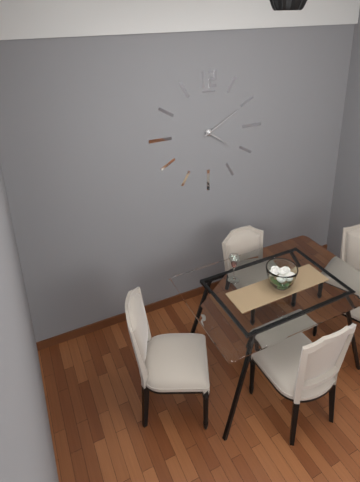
h=4 m=10
